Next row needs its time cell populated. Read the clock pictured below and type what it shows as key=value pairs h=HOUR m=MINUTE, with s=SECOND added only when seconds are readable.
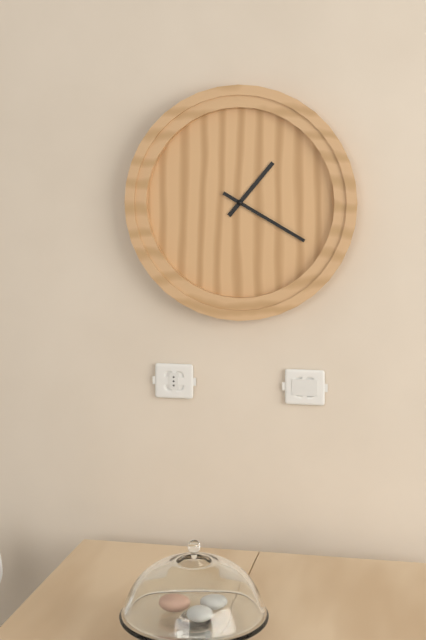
h=1 m=20
